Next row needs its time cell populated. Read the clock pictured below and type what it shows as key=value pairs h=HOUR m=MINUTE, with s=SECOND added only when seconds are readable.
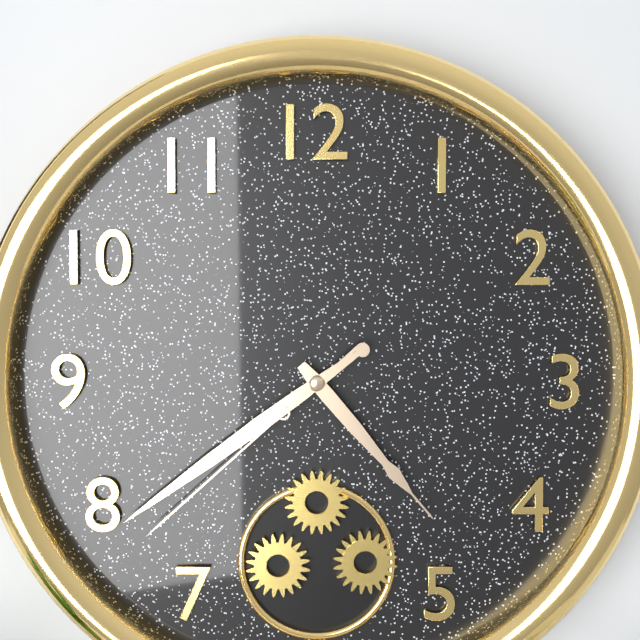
h=4 m=39 s=38
